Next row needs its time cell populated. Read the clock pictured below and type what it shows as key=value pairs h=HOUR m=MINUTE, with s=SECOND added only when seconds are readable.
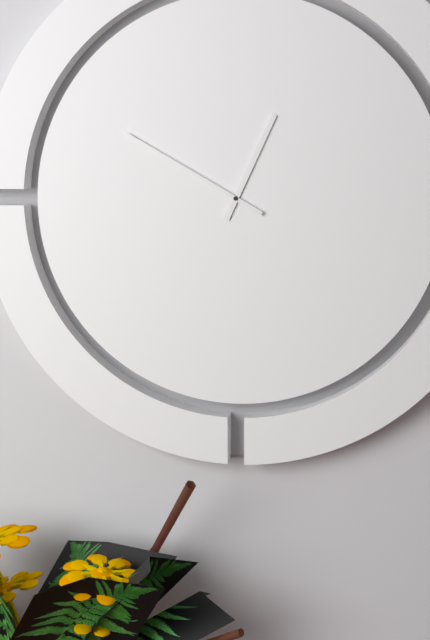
h=12 m=50
